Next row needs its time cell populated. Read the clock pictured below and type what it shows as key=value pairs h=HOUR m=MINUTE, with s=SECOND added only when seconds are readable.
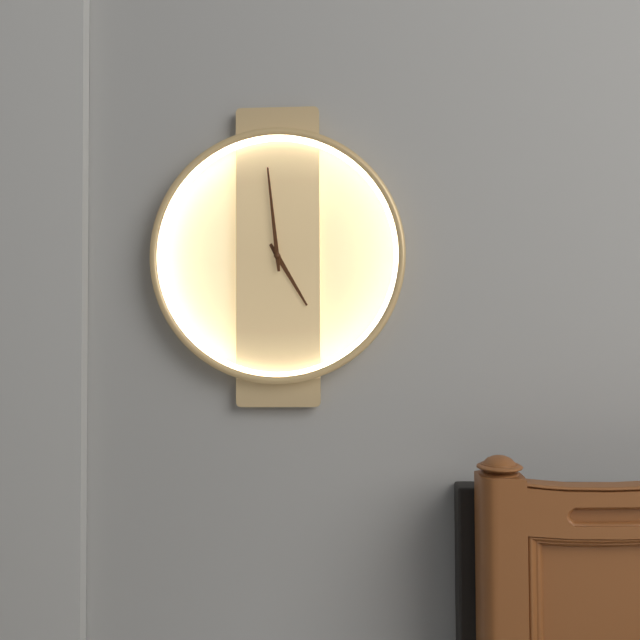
h=4 m=59
